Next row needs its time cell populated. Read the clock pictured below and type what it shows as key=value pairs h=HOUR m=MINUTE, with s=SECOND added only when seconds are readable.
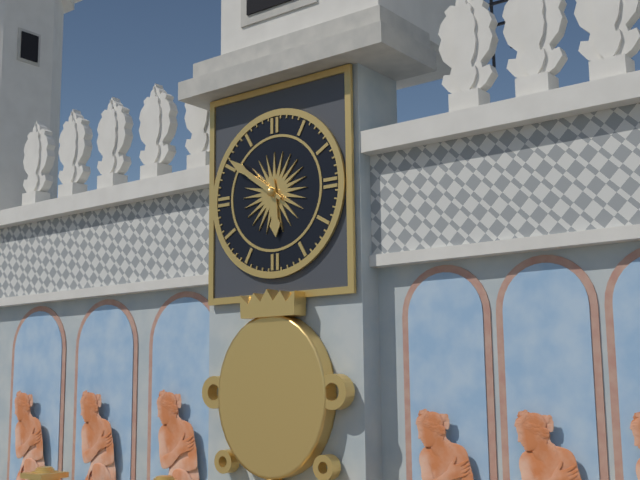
h=5 m=51
